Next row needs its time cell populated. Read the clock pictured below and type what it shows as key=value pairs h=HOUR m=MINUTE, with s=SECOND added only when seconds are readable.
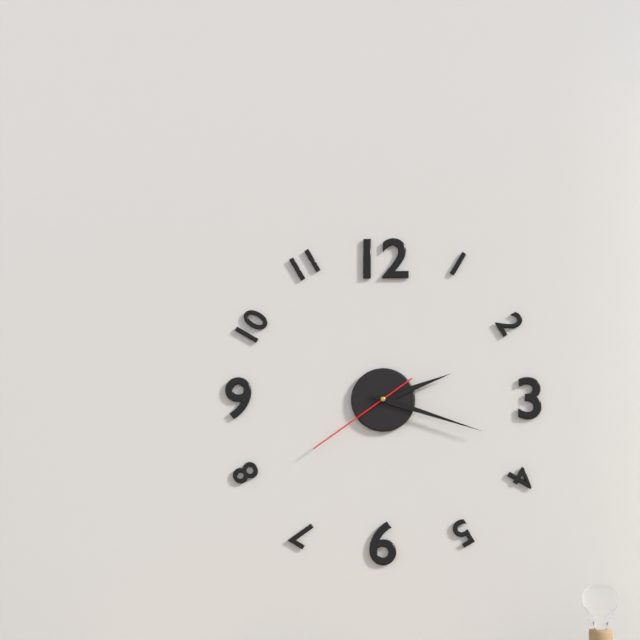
h=2 m=18 s=39
